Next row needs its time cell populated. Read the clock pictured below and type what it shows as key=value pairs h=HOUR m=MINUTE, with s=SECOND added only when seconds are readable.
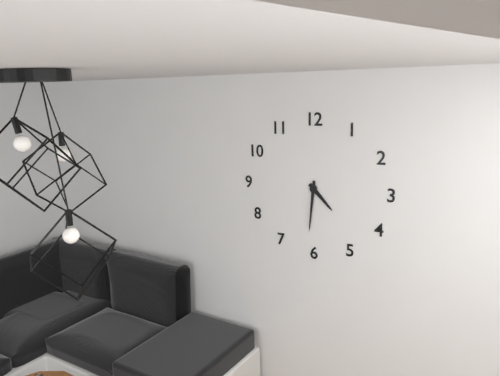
h=4 m=31
